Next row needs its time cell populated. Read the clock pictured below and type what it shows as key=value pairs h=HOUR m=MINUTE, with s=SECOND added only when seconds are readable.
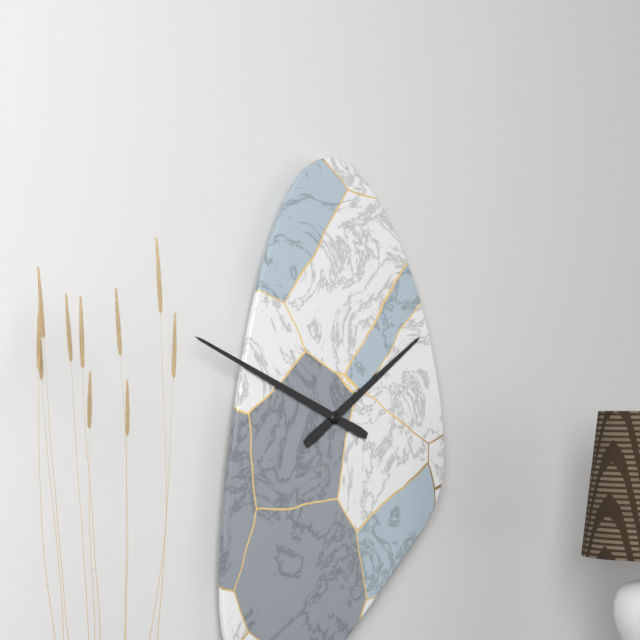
h=1 m=49
